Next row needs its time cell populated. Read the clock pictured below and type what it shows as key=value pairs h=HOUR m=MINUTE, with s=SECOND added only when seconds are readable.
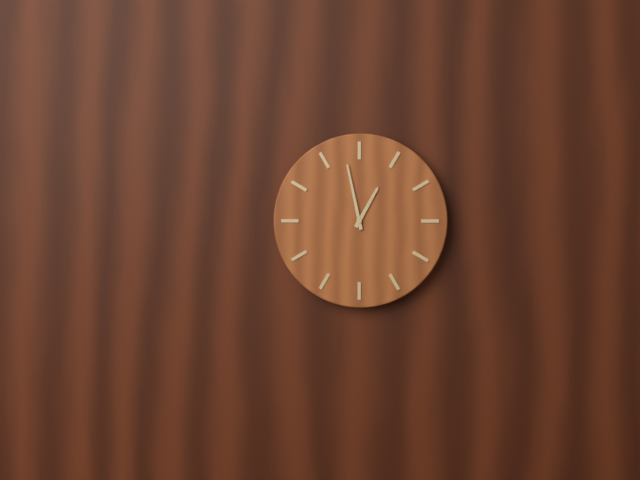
h=12 m=58
